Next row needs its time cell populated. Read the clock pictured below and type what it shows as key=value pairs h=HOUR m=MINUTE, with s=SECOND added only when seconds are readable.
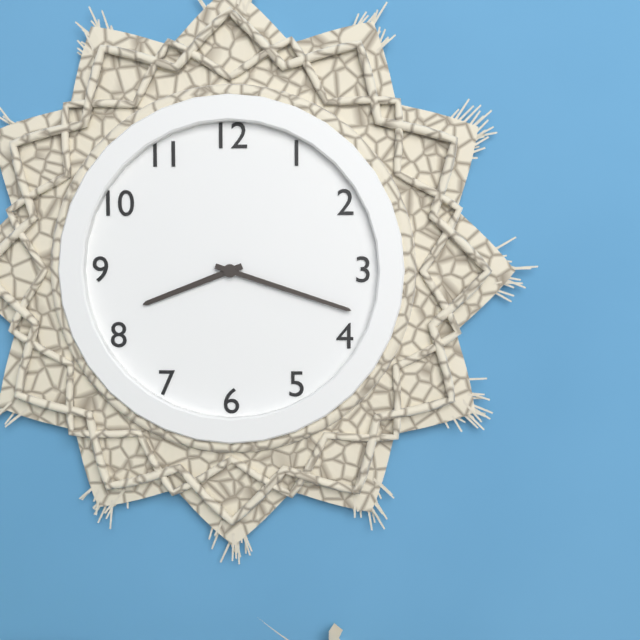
h=8 m=18
